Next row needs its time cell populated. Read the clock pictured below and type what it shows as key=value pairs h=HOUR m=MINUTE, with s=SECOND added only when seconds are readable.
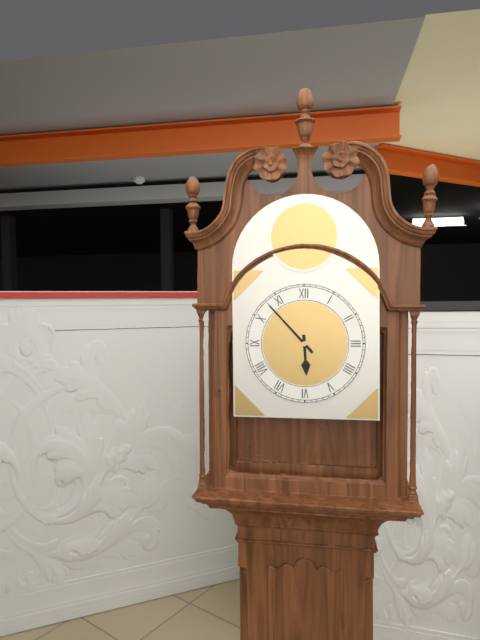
h=5 m=53
